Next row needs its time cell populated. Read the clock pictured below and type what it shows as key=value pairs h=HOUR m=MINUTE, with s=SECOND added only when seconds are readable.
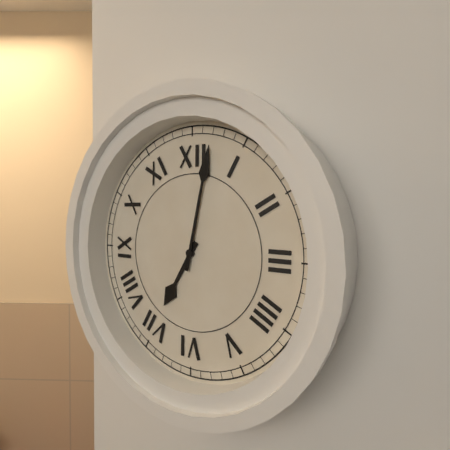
h=7 m=2
